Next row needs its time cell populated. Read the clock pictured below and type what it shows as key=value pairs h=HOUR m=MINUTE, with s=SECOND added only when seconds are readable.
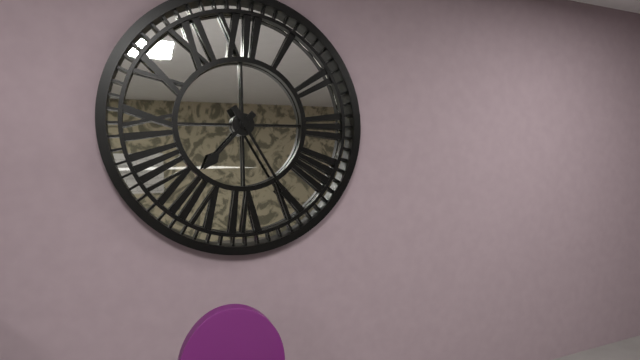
h=7 m=25
